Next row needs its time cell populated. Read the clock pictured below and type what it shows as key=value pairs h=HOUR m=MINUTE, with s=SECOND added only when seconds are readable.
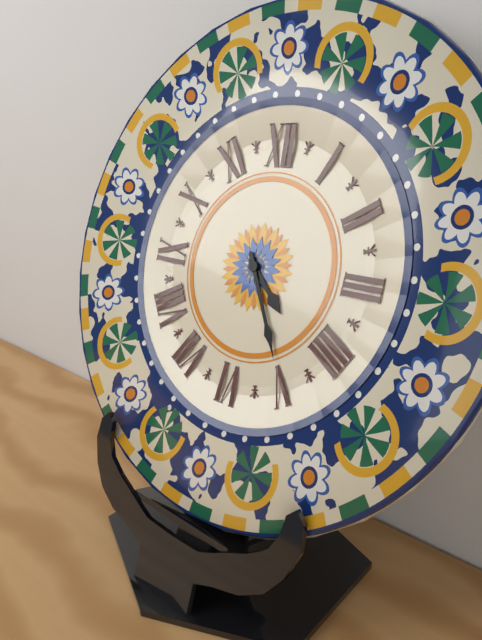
h=4 m=25
